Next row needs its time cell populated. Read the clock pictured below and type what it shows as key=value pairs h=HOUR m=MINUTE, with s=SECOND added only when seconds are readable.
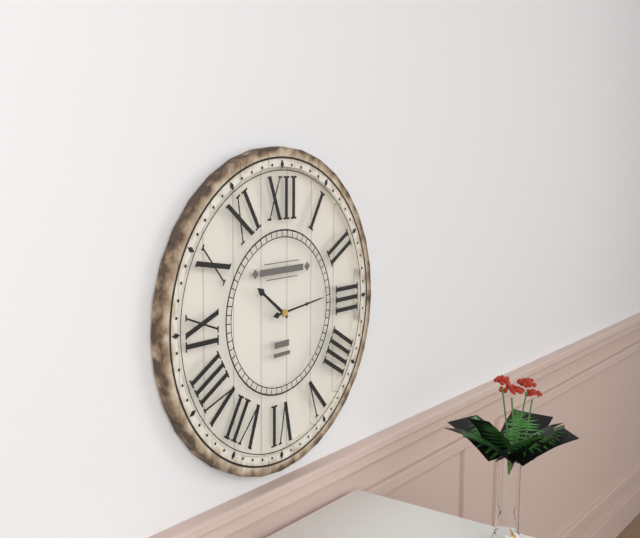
h=10 m=14
